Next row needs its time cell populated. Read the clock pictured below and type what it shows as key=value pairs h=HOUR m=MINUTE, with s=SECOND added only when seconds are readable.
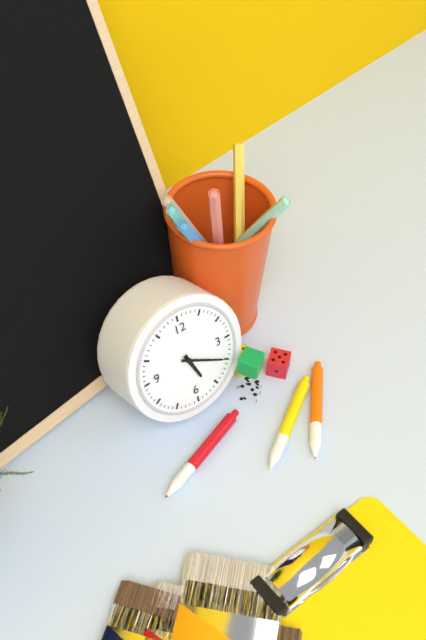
h=5 m=20
